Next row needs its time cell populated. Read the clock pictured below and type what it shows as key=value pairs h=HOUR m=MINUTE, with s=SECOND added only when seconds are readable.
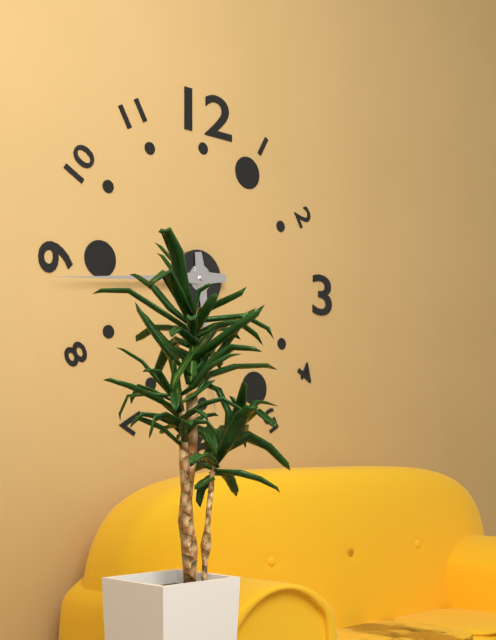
h=5 m=44
